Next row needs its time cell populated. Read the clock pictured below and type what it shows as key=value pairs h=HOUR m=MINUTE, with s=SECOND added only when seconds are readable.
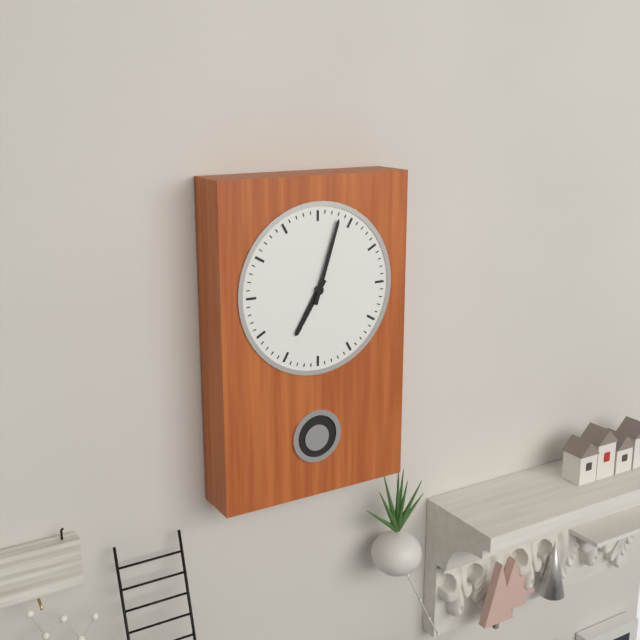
h=7 m=3
